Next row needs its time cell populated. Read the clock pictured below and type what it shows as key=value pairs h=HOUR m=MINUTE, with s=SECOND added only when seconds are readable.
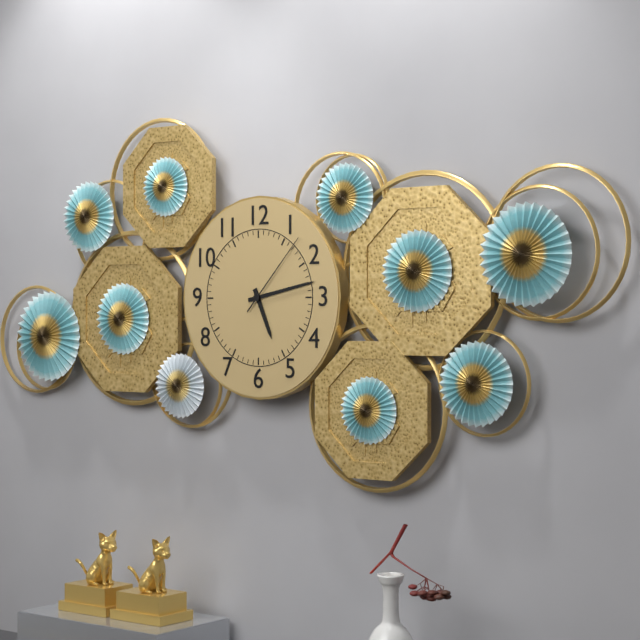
h=5 m=13 s=7
